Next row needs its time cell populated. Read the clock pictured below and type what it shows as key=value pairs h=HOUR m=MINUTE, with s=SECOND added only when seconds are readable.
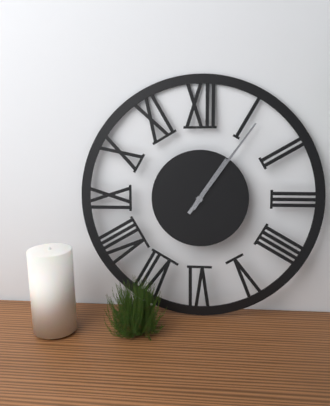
h=1 m=6
